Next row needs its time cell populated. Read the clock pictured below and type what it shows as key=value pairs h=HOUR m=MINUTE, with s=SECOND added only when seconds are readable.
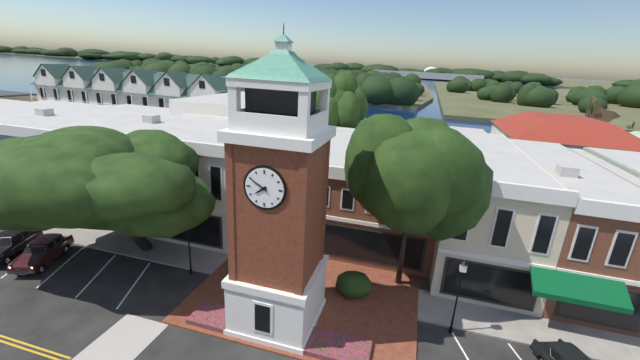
h=7 m=50
